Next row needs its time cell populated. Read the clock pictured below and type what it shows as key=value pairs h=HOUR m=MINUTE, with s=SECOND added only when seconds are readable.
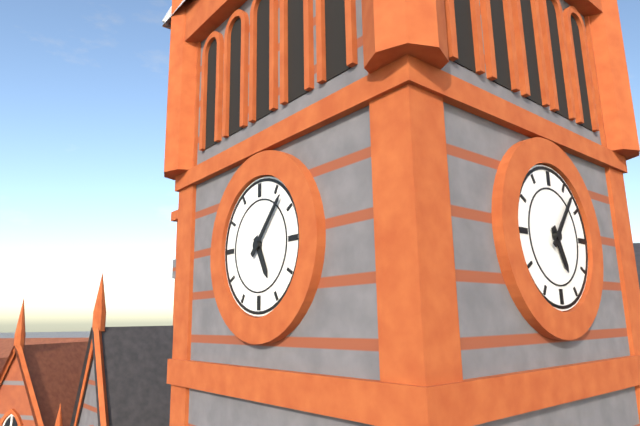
h=5 m=7
